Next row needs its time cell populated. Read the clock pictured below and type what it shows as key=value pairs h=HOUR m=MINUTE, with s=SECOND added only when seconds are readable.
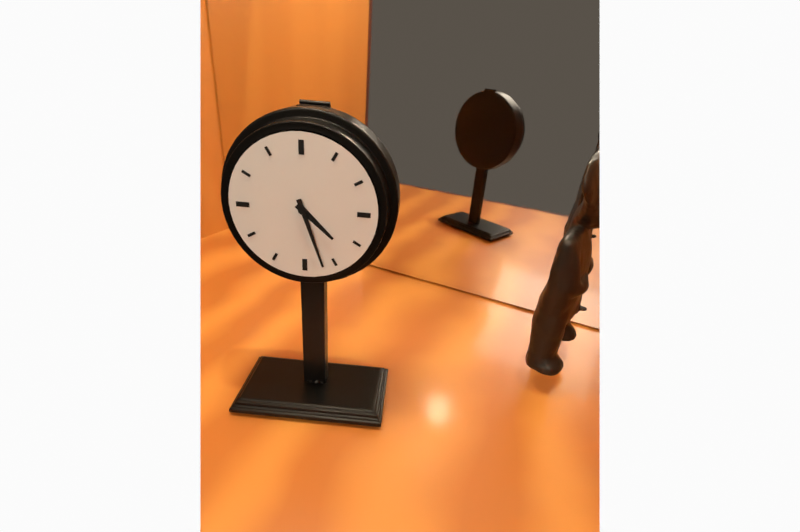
h=4 m=27
